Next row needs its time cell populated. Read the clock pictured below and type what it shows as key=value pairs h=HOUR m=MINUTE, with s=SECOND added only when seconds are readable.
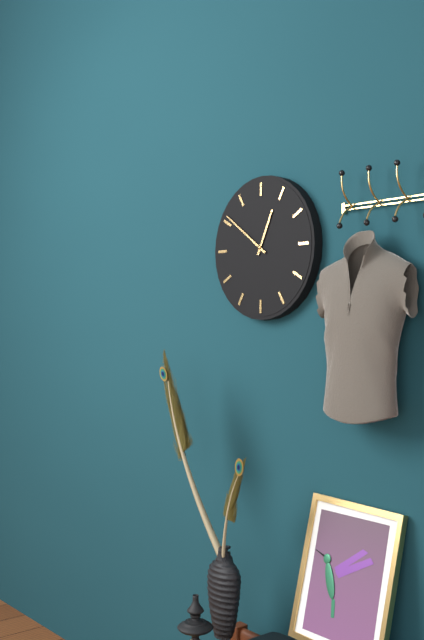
h=12 m=51
